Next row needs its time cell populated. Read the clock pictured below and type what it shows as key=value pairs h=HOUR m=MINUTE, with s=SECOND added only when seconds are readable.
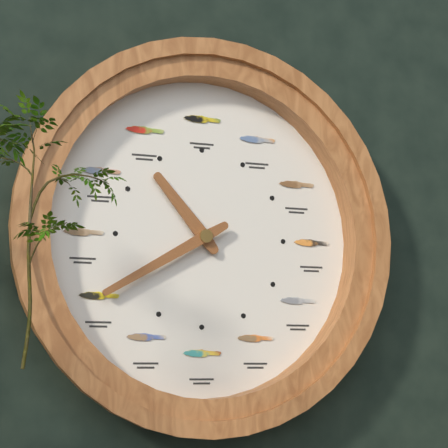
h=10 m=40
